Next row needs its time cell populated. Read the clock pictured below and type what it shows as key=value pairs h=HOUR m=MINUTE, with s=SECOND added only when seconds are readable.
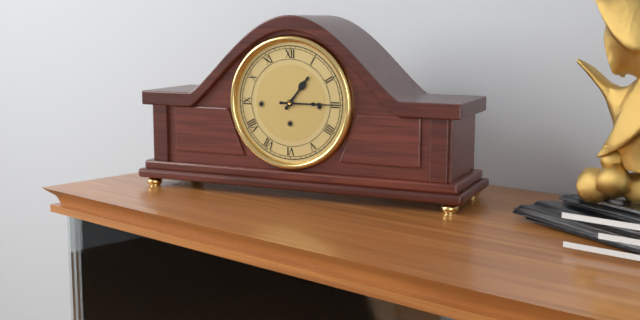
h=1 m=15
